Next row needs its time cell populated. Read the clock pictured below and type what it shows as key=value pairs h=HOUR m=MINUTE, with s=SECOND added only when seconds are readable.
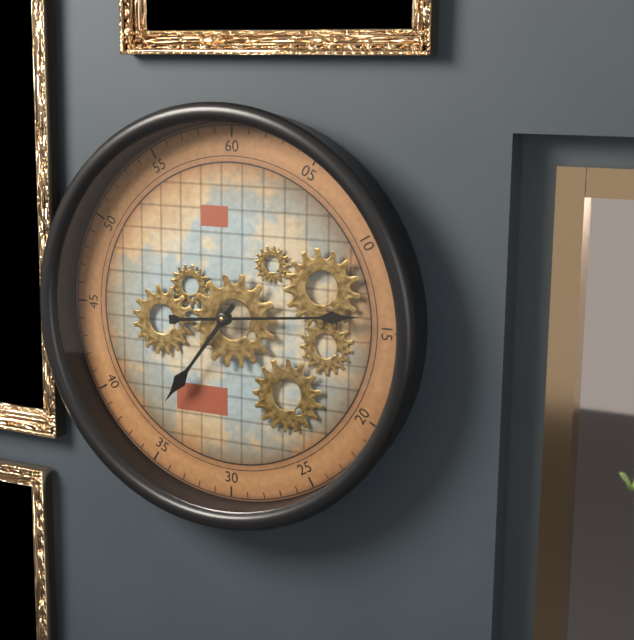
h=7 m=14
